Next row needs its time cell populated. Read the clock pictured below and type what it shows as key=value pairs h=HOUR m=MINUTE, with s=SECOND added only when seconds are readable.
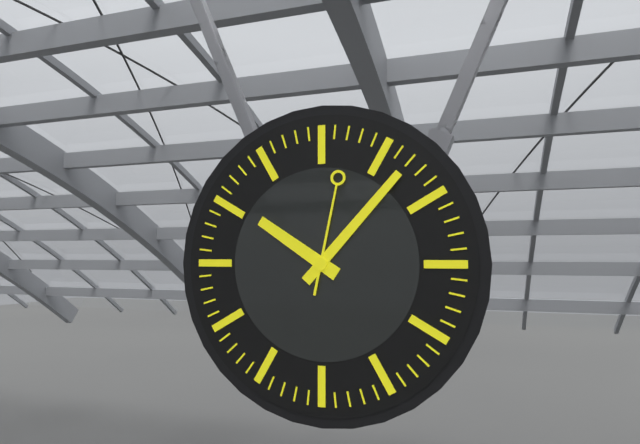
h=10 m=7 s=2
